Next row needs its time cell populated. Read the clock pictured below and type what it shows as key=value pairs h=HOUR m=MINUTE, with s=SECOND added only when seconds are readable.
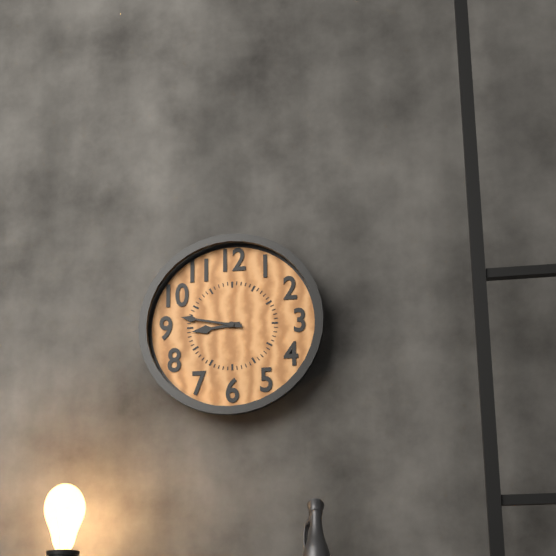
h=8 m=47
